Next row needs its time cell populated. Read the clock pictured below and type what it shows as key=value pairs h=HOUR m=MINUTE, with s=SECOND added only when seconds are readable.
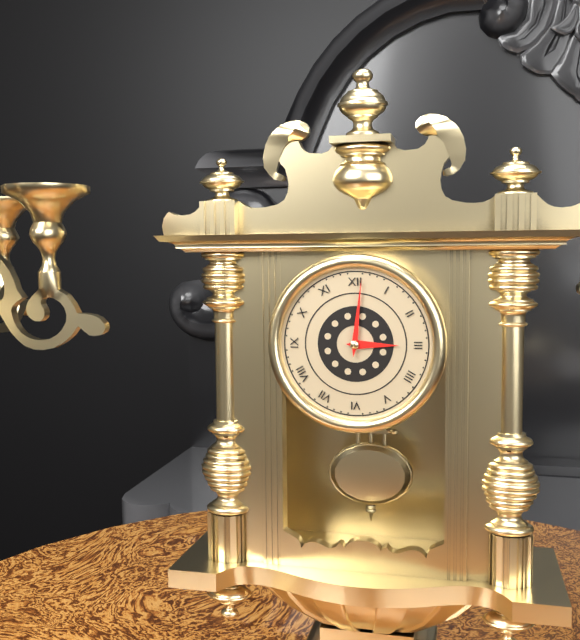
h=3 m=1
